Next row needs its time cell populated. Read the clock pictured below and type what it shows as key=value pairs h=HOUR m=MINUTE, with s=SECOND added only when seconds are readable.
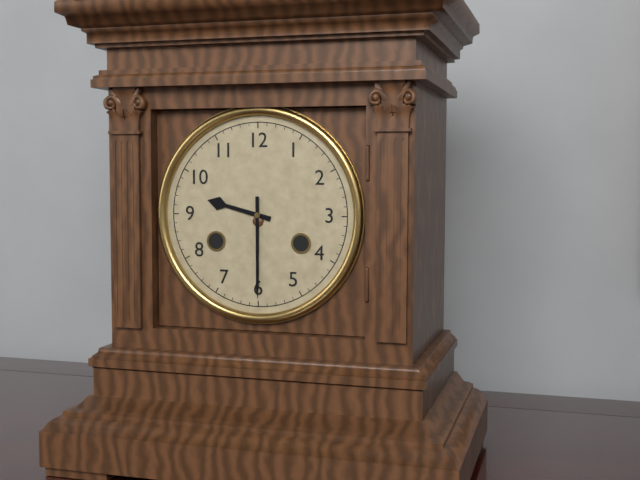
h=9 m=30
